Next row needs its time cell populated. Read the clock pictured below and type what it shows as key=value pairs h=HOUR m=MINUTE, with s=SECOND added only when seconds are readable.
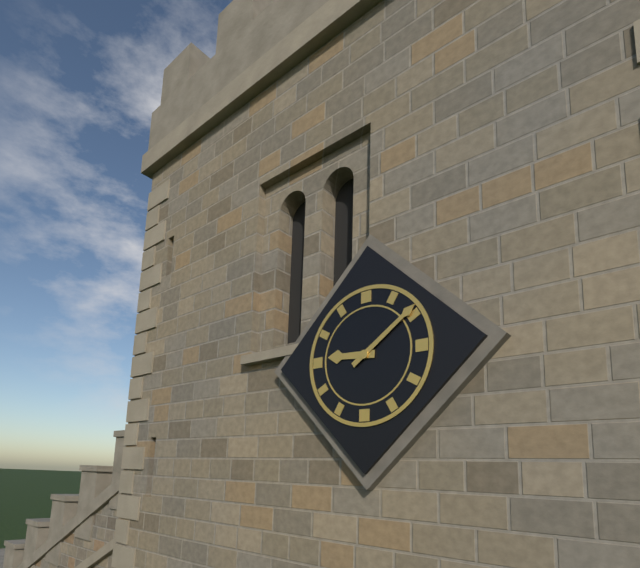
h=9 m=9
